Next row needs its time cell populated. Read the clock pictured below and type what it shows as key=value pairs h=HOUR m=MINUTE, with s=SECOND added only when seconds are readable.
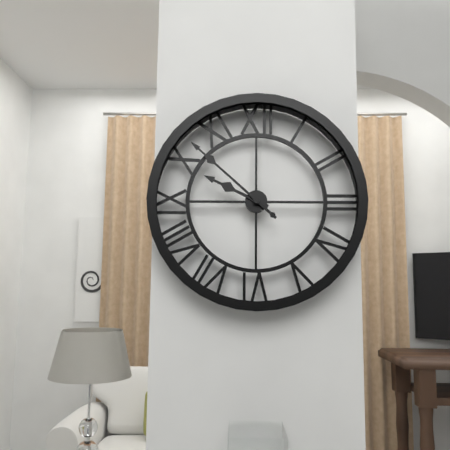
h=9 m=52
